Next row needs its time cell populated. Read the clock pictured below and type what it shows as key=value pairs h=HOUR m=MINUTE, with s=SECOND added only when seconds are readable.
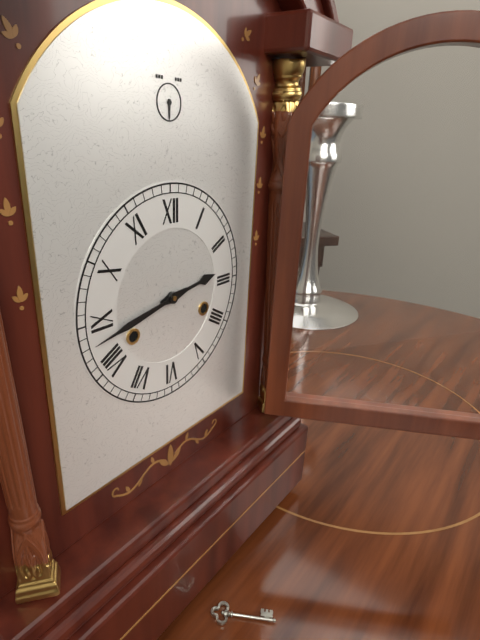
h=2 m=43
